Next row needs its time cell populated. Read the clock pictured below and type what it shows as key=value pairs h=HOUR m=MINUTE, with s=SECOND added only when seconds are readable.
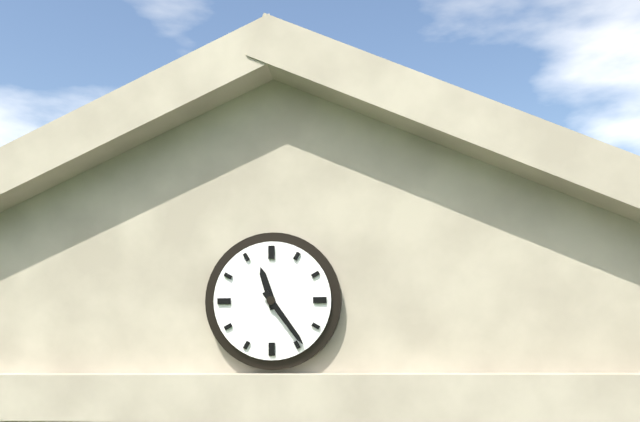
h=11 m=24
